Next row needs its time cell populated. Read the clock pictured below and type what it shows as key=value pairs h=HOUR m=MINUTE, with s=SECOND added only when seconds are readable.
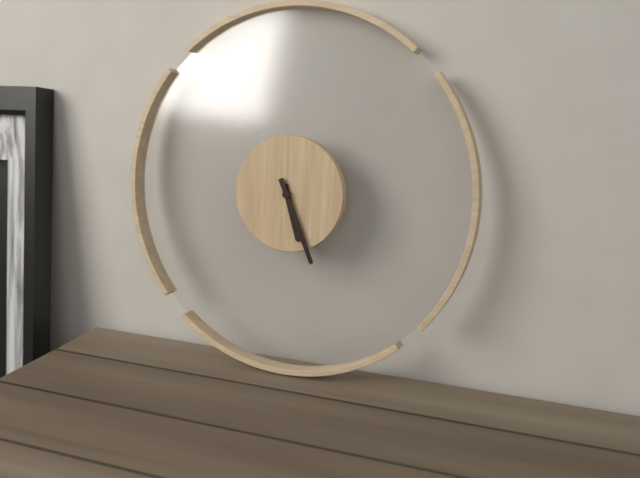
h=5 m=26
